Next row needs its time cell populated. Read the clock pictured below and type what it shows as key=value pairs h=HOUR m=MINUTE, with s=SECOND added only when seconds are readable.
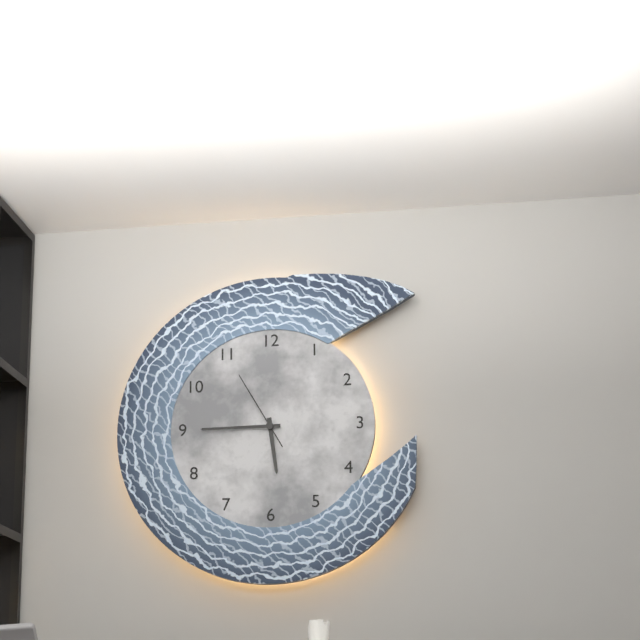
h=5 m=45 s=55
